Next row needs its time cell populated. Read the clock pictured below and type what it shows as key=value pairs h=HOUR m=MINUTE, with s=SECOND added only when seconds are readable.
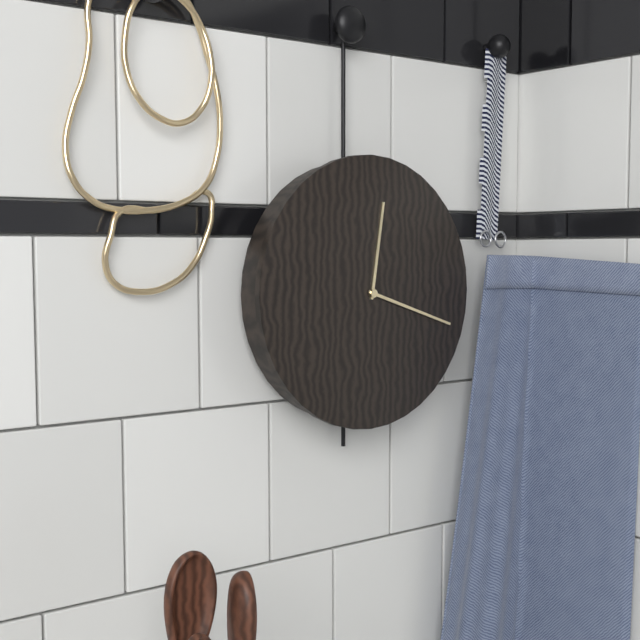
h=12 m=18
